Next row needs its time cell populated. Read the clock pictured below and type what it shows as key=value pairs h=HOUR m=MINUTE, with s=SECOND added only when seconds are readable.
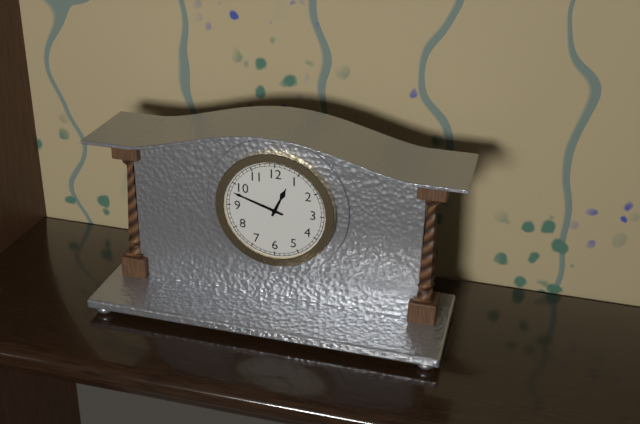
h=12 m=48
